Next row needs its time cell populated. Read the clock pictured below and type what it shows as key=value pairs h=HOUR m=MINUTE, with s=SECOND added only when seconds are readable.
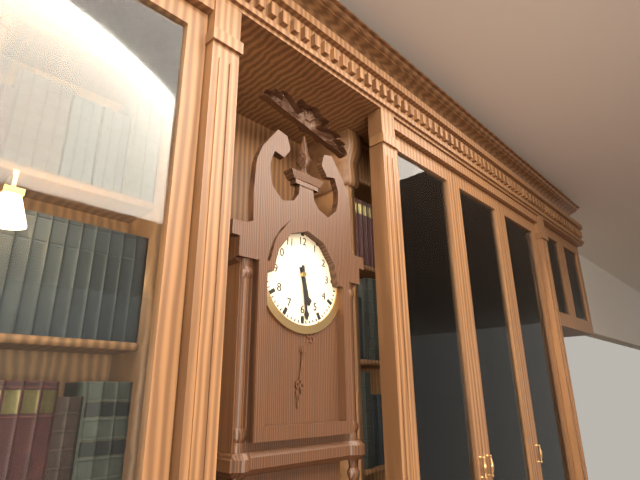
h=5 m=29
